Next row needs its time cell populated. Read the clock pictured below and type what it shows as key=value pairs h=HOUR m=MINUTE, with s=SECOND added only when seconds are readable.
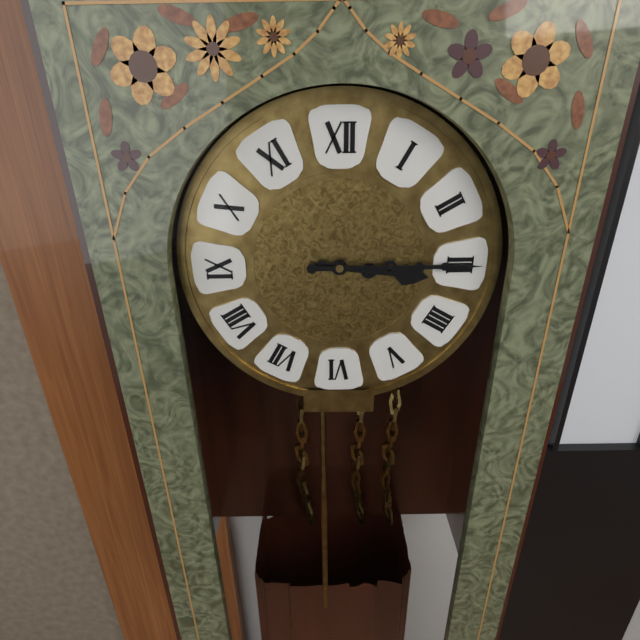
h=3 m=15
